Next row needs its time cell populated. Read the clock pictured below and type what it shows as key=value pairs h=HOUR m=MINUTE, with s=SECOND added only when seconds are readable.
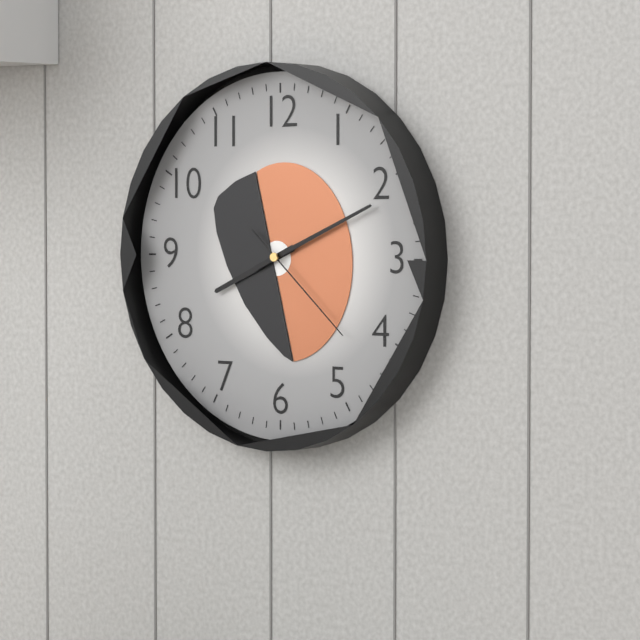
h=8 m=11 s=22
